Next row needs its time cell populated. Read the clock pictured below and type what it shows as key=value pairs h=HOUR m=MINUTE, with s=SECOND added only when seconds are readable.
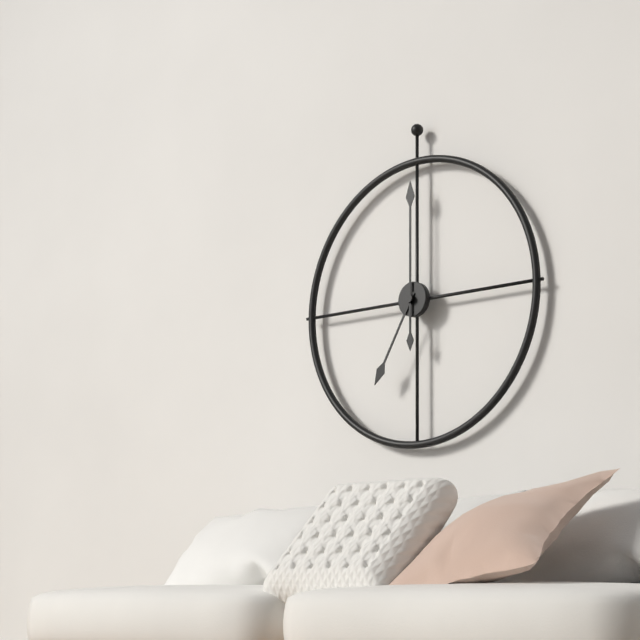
h=7 m=0
